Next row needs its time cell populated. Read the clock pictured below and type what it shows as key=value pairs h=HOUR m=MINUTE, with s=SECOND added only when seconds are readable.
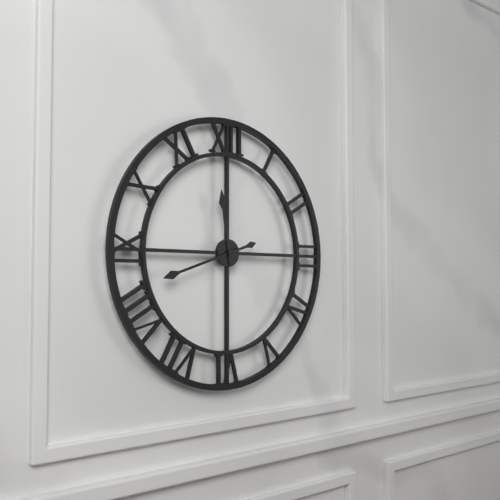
h=11 m=42
